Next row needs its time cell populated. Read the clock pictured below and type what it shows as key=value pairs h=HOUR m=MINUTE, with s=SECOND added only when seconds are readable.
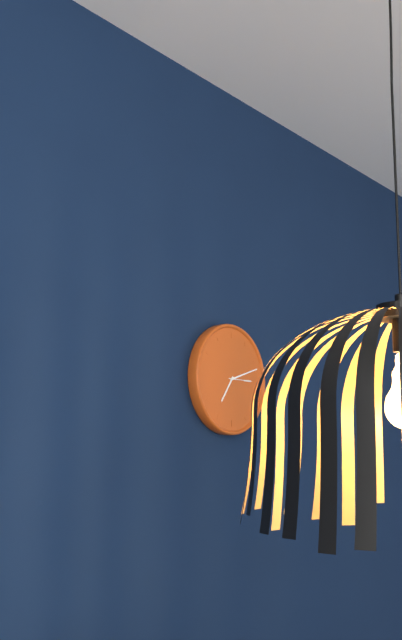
h=7 m=12
